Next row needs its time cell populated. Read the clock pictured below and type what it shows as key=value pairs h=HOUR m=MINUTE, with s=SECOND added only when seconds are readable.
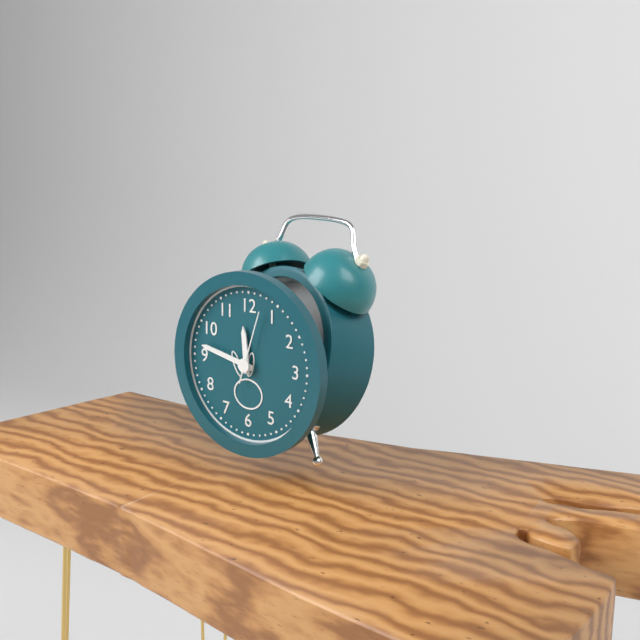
h=11 m=47 s=3
